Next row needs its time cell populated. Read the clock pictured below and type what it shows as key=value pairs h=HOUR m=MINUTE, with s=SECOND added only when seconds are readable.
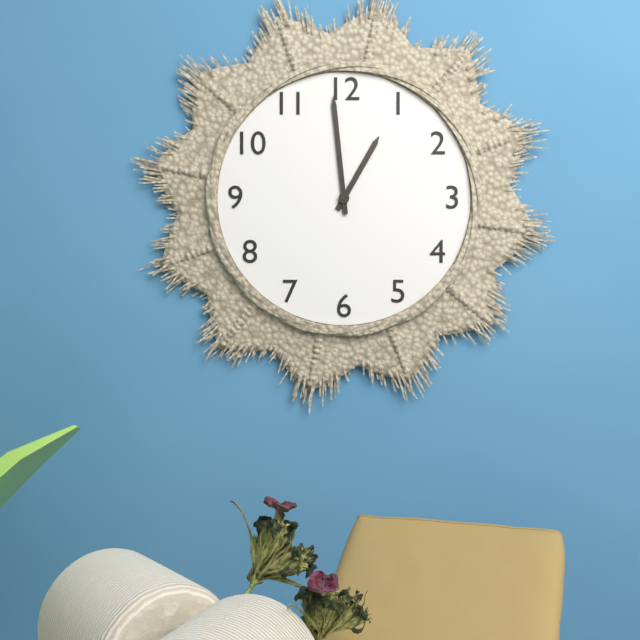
h=12 m=59
